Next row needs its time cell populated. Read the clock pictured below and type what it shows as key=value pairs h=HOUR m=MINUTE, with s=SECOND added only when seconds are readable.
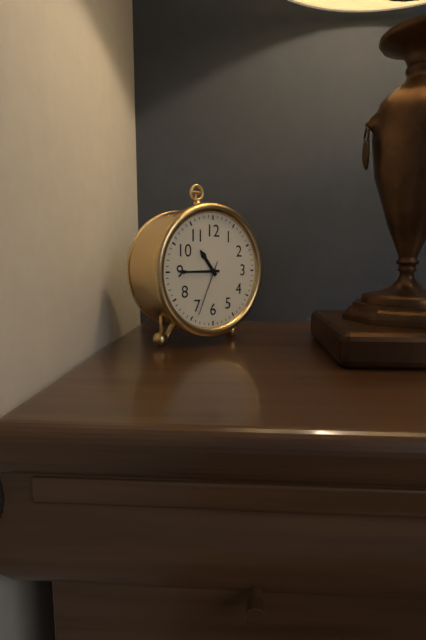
h=10 m=45 s=34
